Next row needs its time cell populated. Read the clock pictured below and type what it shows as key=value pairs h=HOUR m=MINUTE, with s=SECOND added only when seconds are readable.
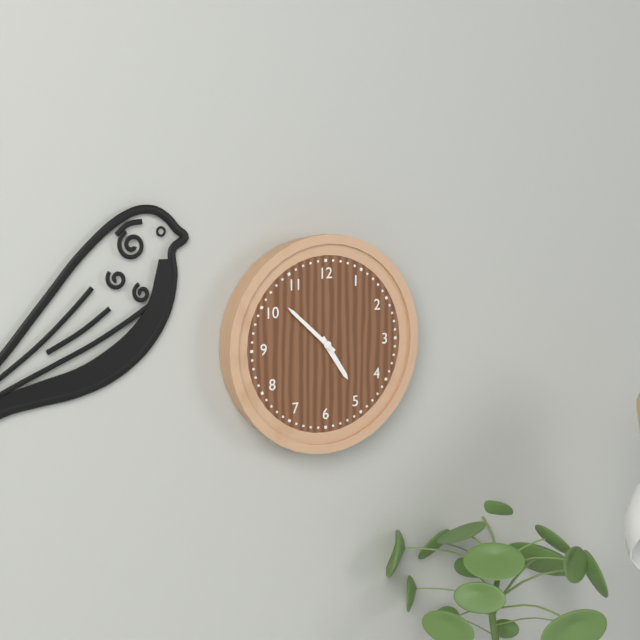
h=4 m=52
